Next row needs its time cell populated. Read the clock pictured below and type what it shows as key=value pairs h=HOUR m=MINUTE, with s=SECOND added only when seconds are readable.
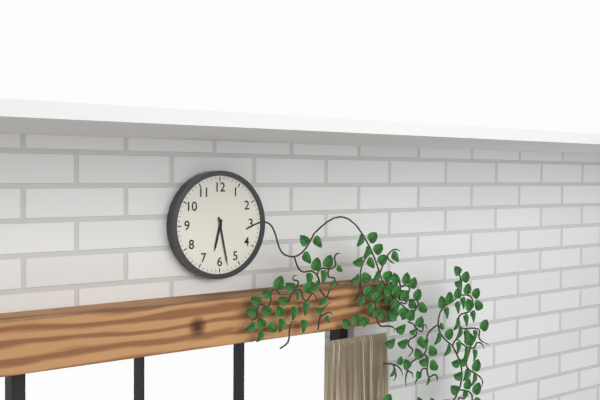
h=6 m=28
